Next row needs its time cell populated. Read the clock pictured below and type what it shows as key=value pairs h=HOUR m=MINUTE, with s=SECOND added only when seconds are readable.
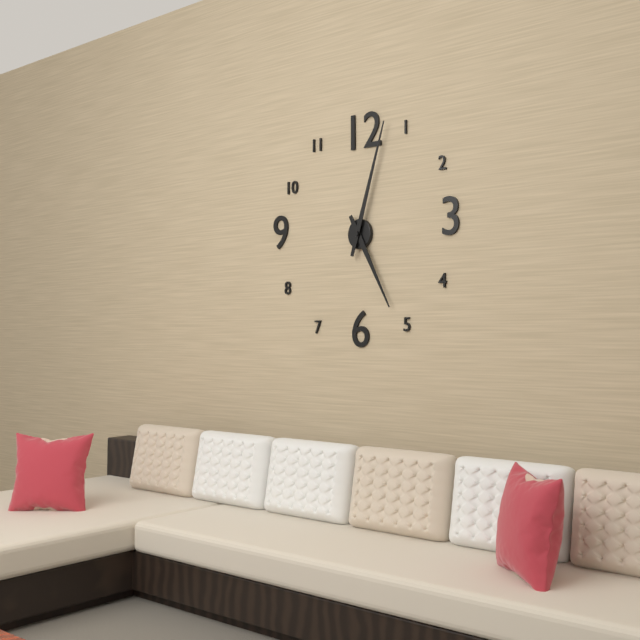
h=5 m=3
